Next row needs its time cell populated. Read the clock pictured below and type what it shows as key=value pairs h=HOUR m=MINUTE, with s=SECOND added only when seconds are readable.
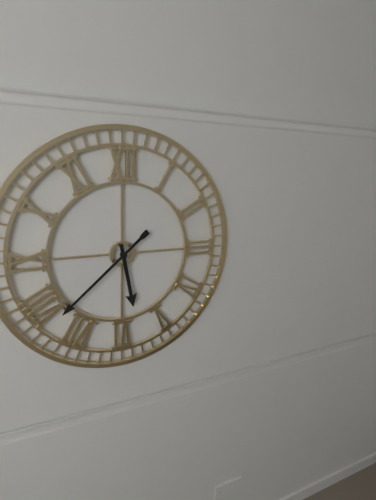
h=5 m=38
